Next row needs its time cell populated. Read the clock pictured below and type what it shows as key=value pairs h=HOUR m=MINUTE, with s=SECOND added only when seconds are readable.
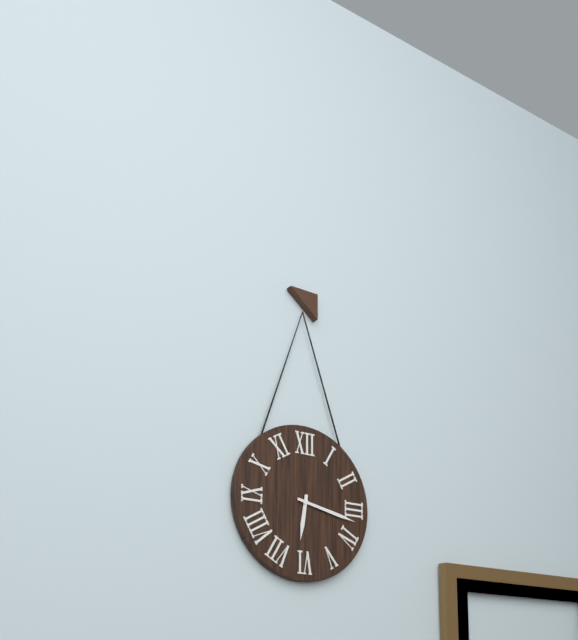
h=6 m=17
